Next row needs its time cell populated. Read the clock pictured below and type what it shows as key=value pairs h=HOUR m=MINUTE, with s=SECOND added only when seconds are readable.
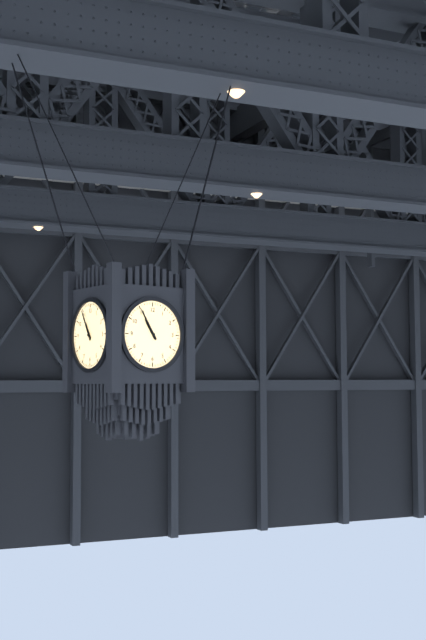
h=10 m=55
